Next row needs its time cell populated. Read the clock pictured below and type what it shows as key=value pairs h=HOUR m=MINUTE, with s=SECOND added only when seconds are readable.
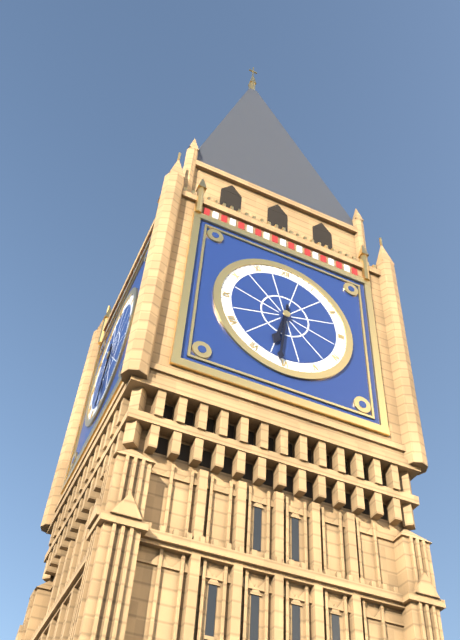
h=6 m=31
